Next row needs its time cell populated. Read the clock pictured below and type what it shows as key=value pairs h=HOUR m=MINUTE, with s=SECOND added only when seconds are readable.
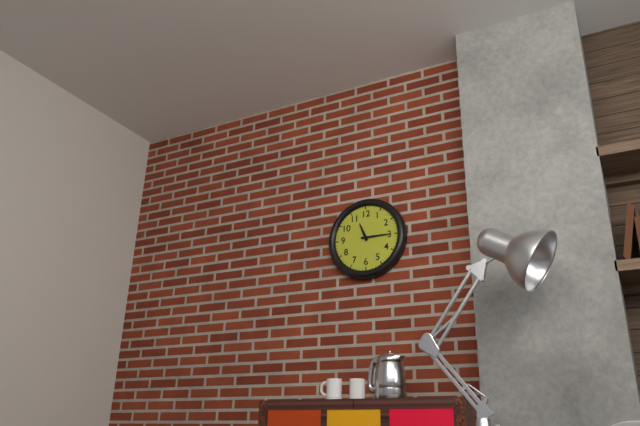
h=11 m=15
